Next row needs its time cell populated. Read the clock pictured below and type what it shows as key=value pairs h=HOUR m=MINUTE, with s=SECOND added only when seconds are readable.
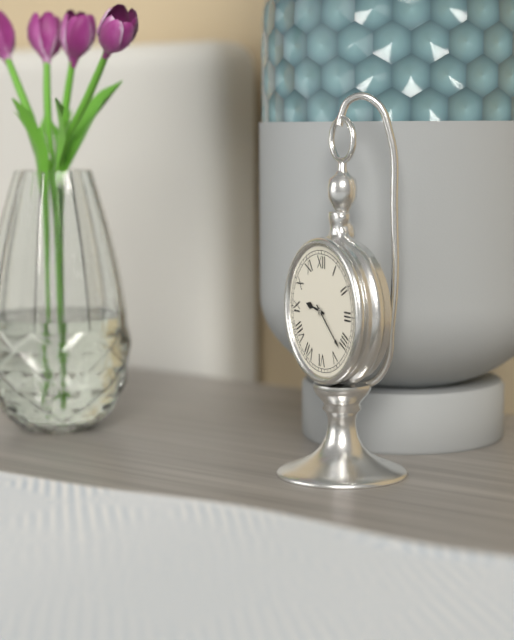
h=9 m=22
